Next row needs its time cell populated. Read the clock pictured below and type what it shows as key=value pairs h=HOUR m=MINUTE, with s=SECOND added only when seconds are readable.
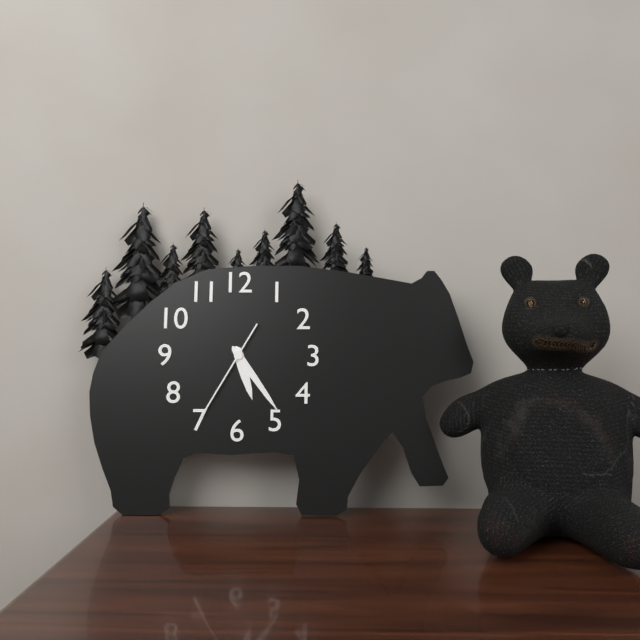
h=5 m=24 s=35
